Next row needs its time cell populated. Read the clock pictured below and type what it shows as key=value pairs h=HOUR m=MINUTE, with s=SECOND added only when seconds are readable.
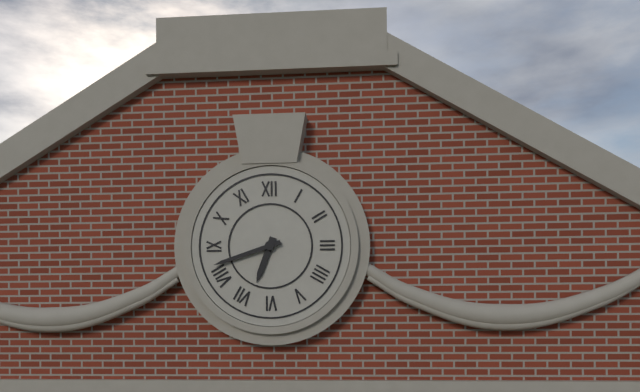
h=6 m=42
